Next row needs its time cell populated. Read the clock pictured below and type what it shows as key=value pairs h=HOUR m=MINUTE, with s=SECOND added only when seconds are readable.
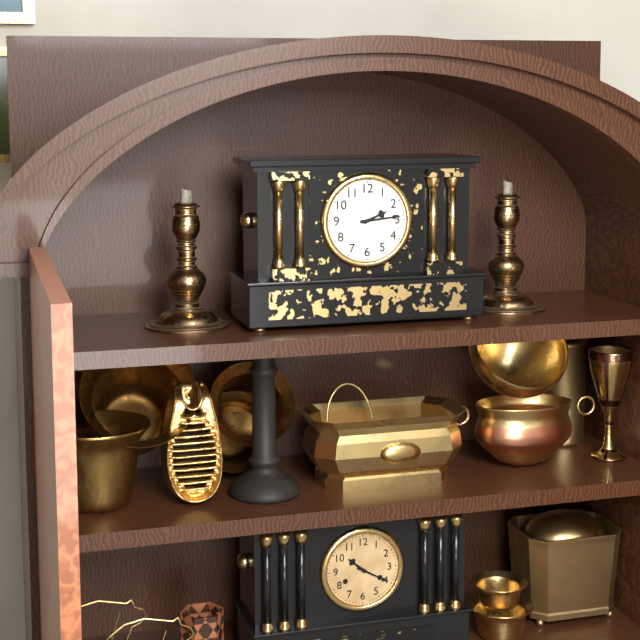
h=2 m=14
